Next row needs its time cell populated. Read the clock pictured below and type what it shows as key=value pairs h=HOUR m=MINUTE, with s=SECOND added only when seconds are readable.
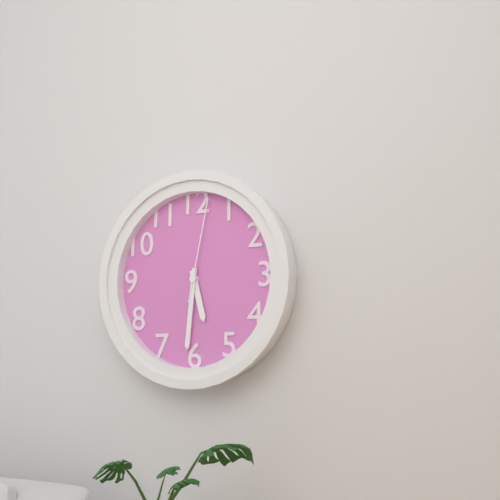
h=5 m=31 s=2
